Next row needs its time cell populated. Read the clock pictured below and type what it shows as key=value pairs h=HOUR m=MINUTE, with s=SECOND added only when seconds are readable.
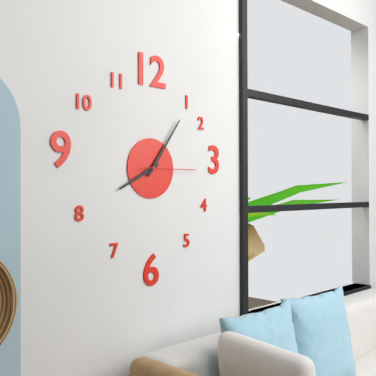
h=8 m=6 s=15
